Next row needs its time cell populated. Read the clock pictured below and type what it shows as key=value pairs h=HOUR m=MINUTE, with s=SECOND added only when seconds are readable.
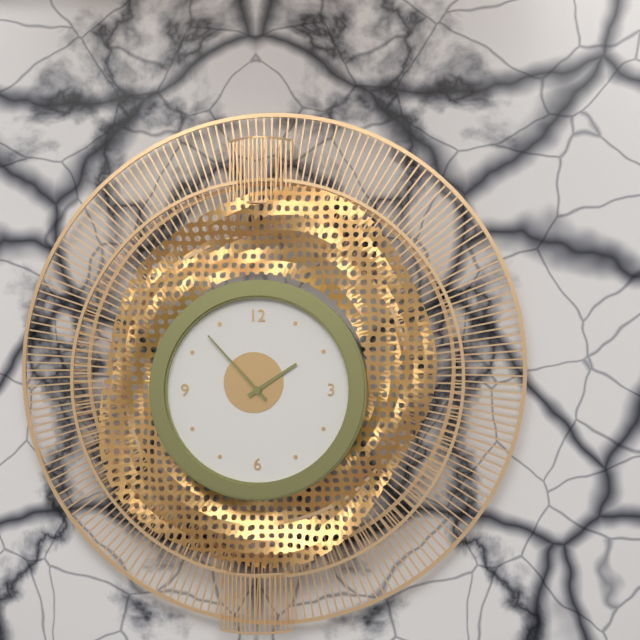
h=1 m=53
